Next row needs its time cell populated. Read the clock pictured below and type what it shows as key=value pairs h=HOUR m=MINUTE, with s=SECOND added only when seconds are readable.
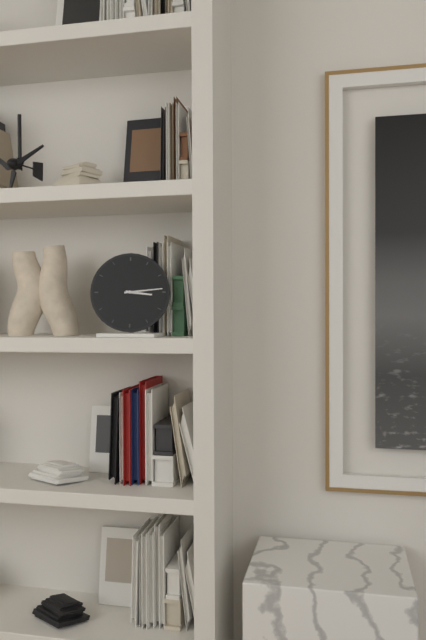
h=3 m=14
